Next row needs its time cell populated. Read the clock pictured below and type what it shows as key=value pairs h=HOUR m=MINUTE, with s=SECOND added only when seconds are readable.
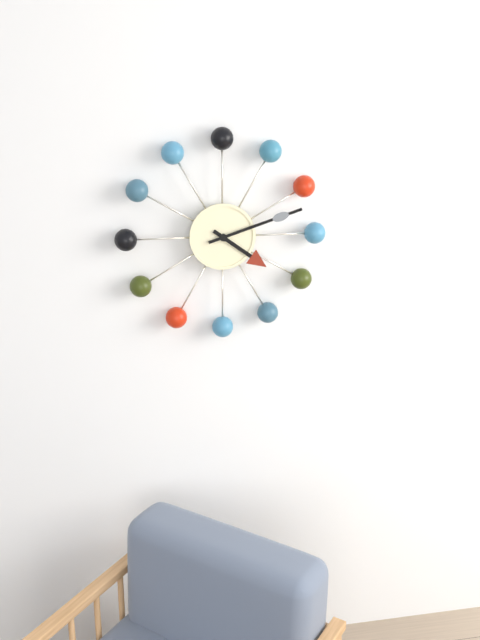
h=4 m=12
